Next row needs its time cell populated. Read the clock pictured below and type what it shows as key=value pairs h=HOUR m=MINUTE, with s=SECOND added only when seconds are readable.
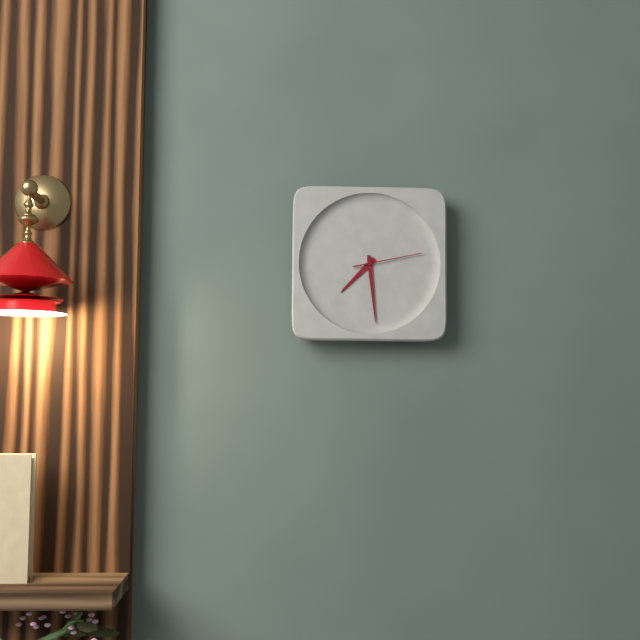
h=7 m=29 s=13
